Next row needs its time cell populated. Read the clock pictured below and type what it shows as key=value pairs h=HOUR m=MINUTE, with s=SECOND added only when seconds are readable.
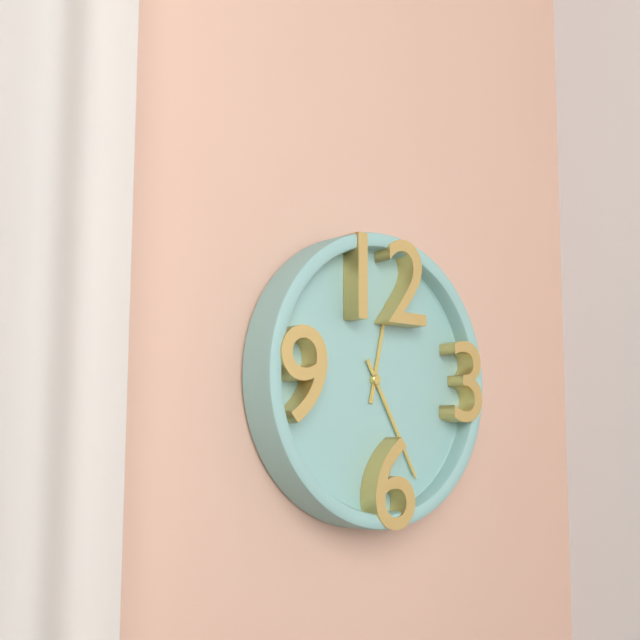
h=12 m=25
